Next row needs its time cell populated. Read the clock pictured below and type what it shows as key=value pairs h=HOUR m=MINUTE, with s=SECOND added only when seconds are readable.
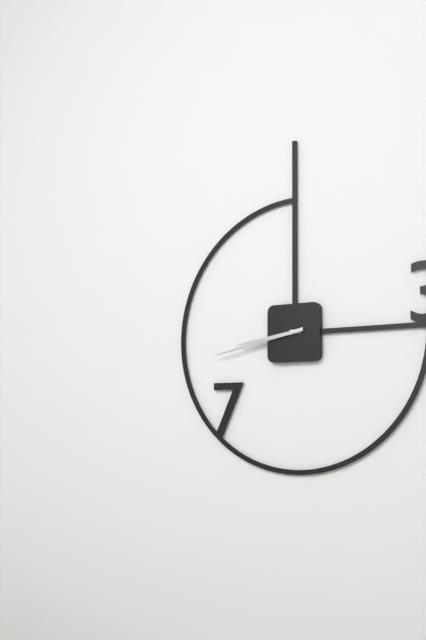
h=8 m=43
